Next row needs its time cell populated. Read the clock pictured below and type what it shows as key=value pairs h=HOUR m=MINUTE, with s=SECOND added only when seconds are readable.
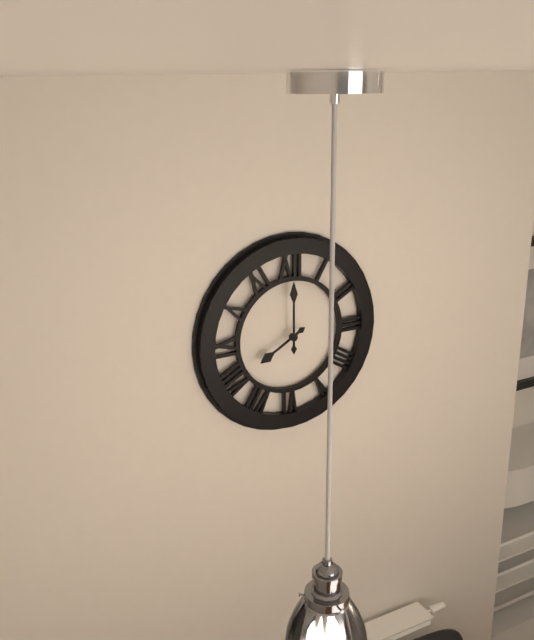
h=8 m=0
